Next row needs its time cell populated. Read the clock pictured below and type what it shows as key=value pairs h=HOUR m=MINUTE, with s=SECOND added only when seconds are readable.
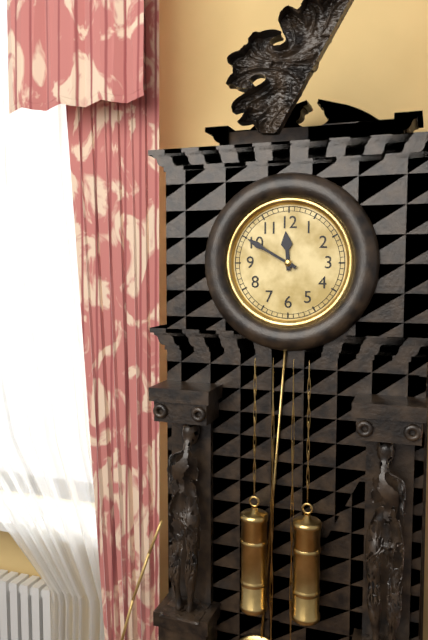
h=11 m=50
